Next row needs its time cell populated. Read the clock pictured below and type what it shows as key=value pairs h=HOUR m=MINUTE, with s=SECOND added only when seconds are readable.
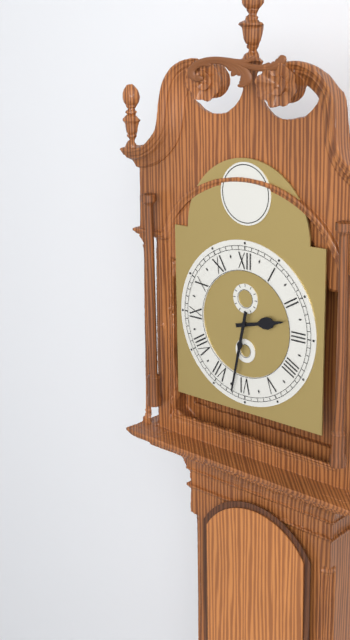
h=2 m=32
